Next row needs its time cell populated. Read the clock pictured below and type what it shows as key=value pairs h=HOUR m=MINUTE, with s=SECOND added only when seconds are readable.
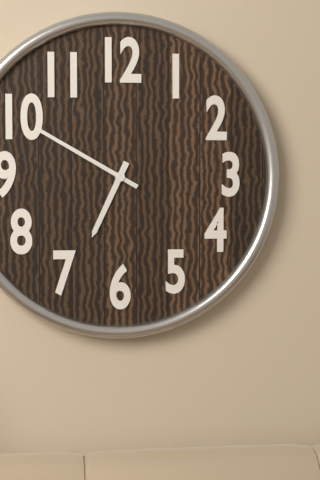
h=6 m=50
